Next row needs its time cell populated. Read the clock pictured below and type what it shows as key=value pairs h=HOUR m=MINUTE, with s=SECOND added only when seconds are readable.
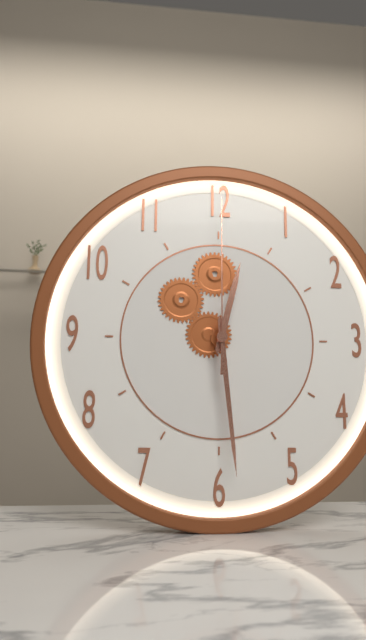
h=12 m=29 s=0
